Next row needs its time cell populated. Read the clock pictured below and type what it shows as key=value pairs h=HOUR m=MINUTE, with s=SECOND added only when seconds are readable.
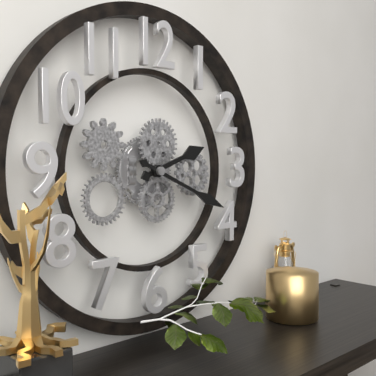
h=2 m=19
